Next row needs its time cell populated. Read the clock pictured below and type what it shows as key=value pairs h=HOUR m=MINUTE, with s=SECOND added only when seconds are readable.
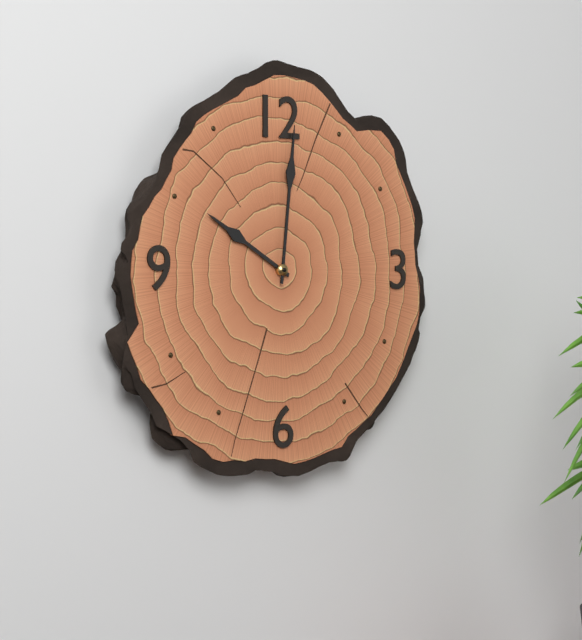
h=10 m=1
